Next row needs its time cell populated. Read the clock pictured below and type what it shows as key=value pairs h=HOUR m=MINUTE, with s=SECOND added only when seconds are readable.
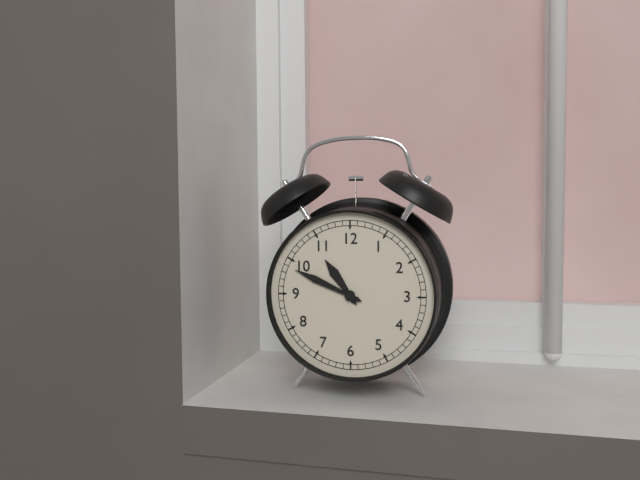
h=10 m=49
